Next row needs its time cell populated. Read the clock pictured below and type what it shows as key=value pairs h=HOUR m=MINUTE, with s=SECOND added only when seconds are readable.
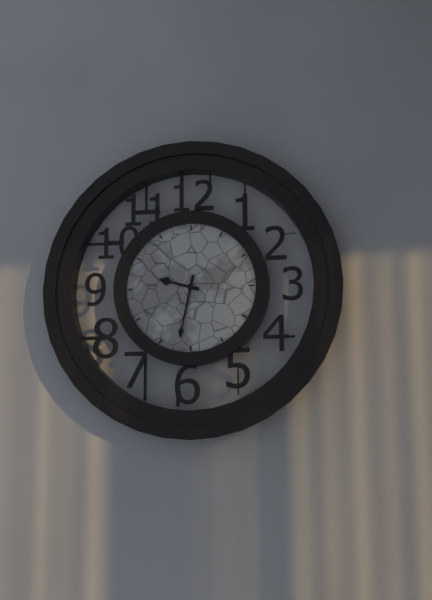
h=9 m=32
